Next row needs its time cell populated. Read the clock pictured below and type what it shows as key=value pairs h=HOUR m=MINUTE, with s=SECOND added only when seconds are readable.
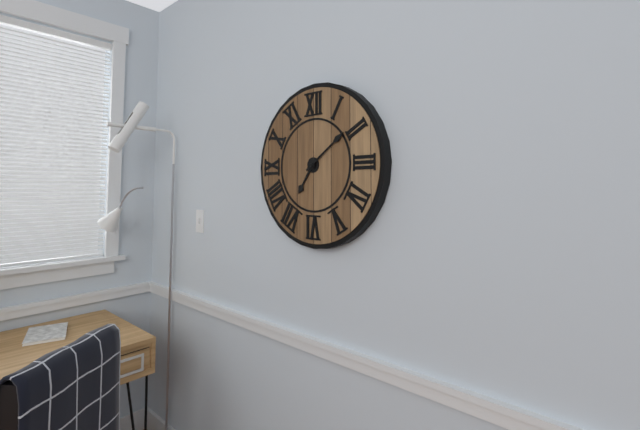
h=7 m=9
